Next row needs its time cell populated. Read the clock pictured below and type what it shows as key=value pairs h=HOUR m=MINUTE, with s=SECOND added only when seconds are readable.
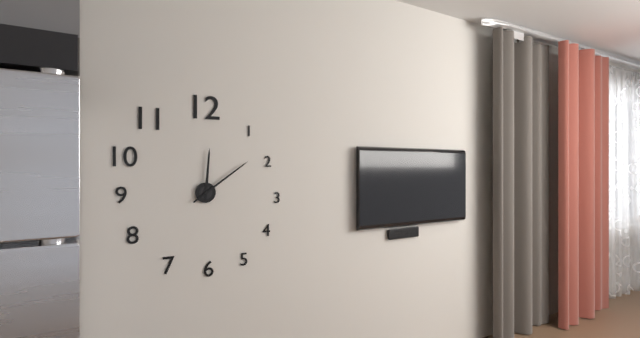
h=12 m=9
